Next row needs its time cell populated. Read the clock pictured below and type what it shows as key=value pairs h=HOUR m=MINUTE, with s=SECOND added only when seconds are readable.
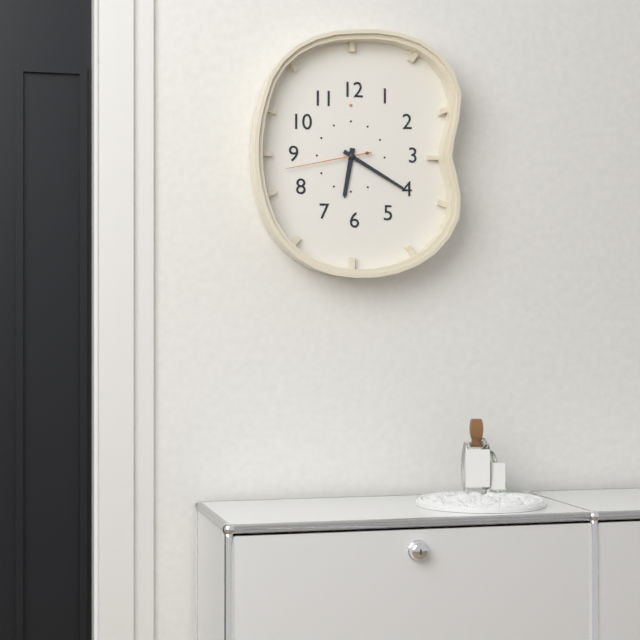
h=6 m=20 s=43
